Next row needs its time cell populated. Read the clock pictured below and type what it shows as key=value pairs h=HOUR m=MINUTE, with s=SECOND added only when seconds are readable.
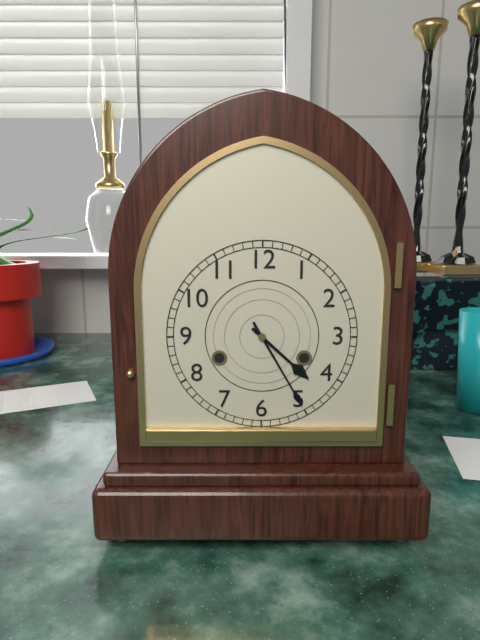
h=4 m=25
